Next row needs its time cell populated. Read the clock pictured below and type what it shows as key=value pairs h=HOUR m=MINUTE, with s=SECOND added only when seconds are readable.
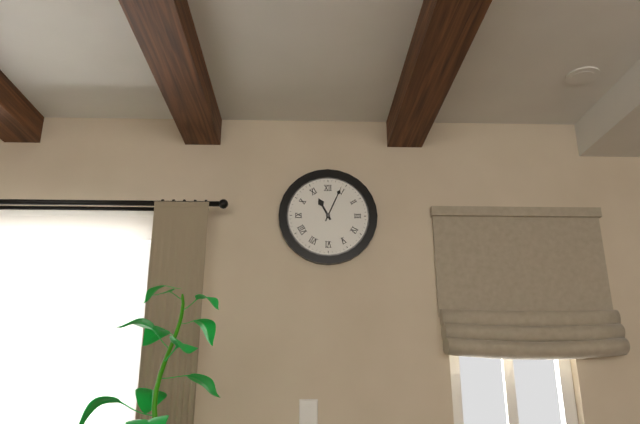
h=11 m=4
